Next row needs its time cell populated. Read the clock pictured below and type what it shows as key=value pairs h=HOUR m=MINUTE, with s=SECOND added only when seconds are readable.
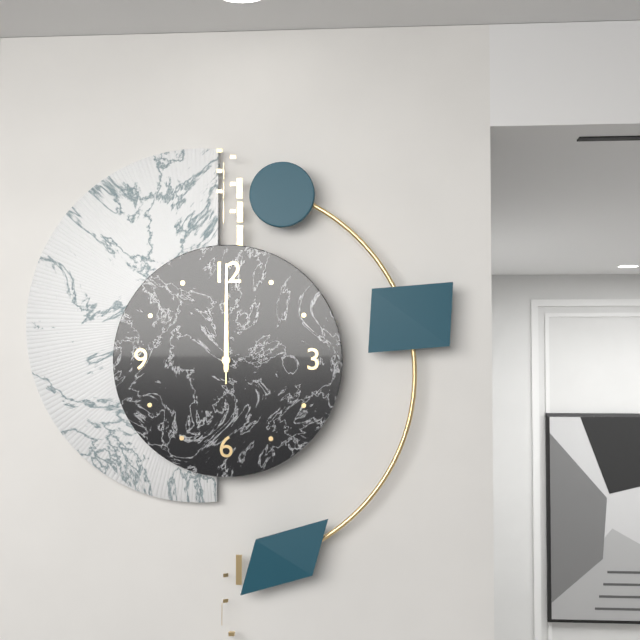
h=12 m=0 s=0
